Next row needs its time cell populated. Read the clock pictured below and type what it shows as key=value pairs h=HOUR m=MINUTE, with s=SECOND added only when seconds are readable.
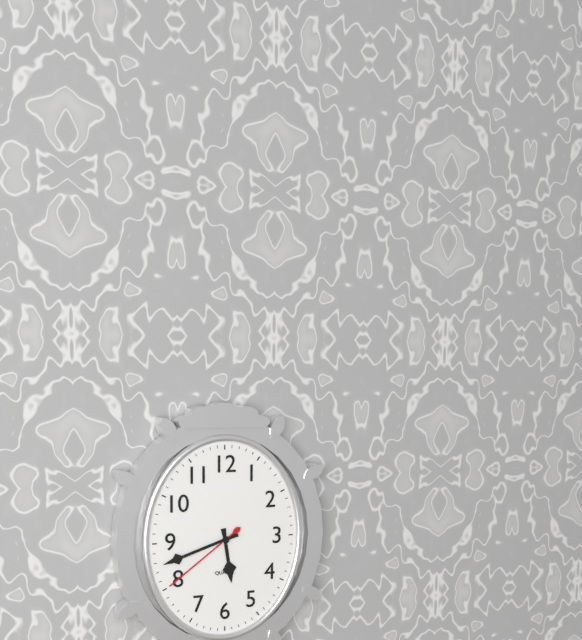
h=5 m=42 s=39
